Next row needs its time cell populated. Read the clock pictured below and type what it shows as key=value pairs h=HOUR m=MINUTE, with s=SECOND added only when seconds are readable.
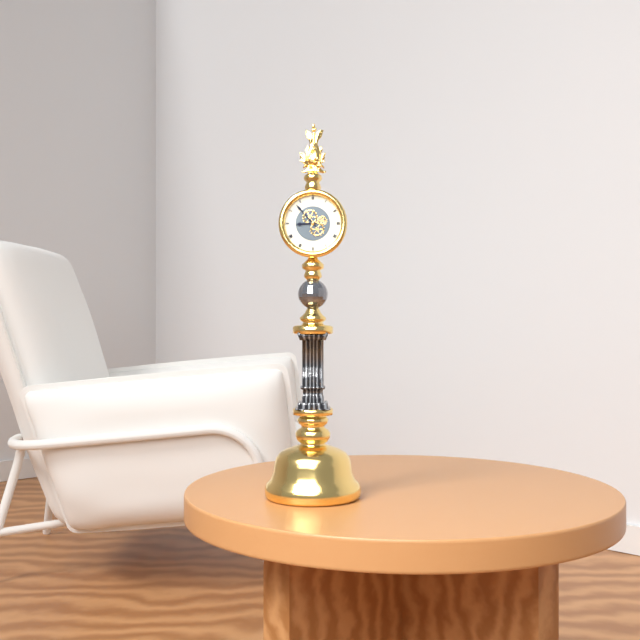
h=8 m=53
